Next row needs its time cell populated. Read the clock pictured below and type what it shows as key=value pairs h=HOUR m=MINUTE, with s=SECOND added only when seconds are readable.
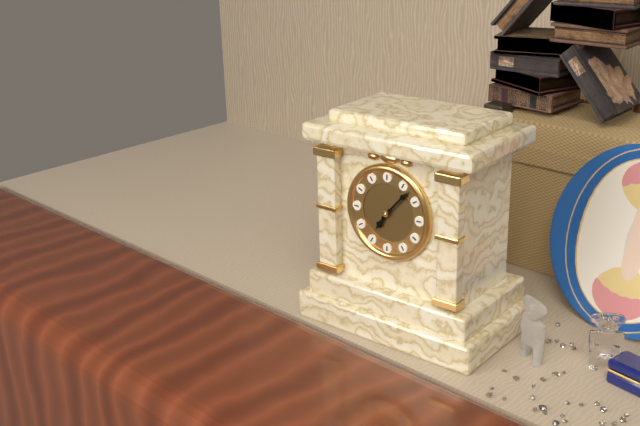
h=7 m=7
